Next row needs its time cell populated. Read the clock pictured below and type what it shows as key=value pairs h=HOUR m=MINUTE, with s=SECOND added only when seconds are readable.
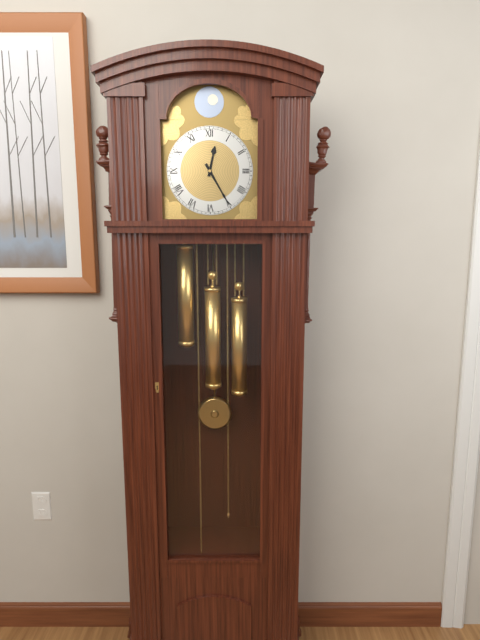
h=12 m=25
